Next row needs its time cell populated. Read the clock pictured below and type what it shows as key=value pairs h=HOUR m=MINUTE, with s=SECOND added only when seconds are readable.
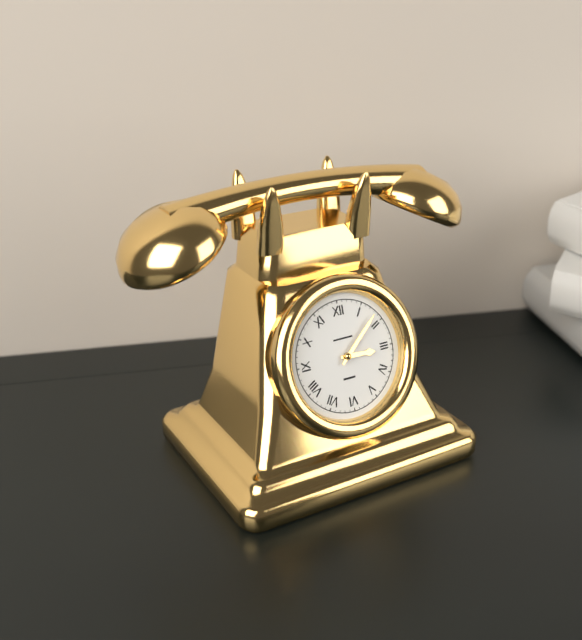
h=3 m=8
